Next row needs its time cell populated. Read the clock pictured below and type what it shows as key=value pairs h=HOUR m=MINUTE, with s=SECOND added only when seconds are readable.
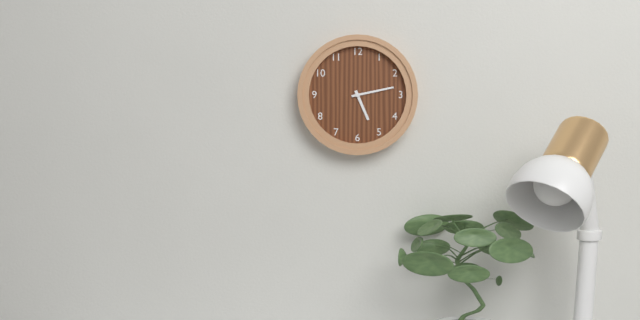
h=5 m=13
